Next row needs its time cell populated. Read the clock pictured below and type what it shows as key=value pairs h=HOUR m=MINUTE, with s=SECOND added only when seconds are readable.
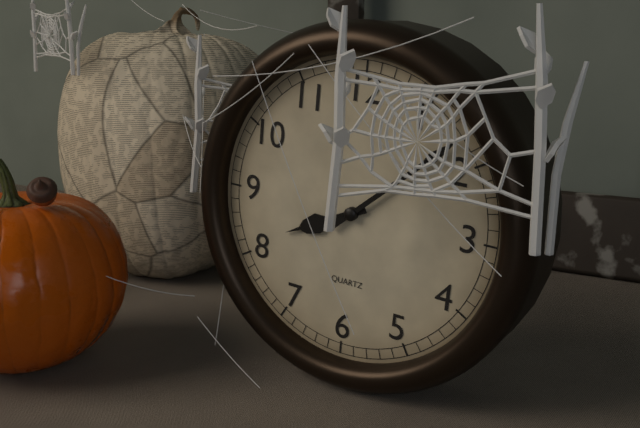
h=8 m=8
